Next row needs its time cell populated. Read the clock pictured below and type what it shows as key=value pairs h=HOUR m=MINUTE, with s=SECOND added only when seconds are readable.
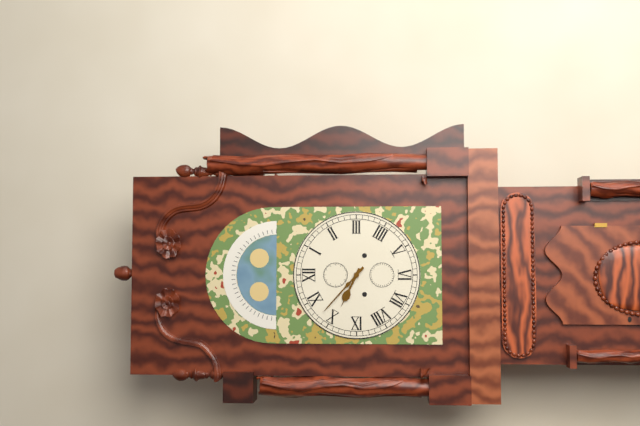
h=9 m=52
